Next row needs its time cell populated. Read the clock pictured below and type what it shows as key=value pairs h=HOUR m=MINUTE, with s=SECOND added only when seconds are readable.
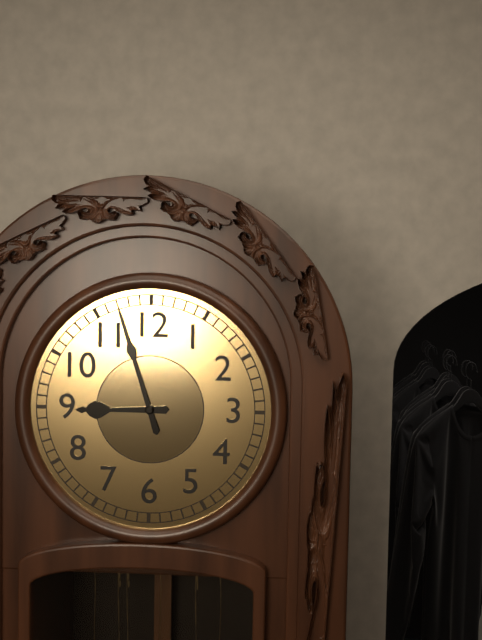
h=8 m=57
